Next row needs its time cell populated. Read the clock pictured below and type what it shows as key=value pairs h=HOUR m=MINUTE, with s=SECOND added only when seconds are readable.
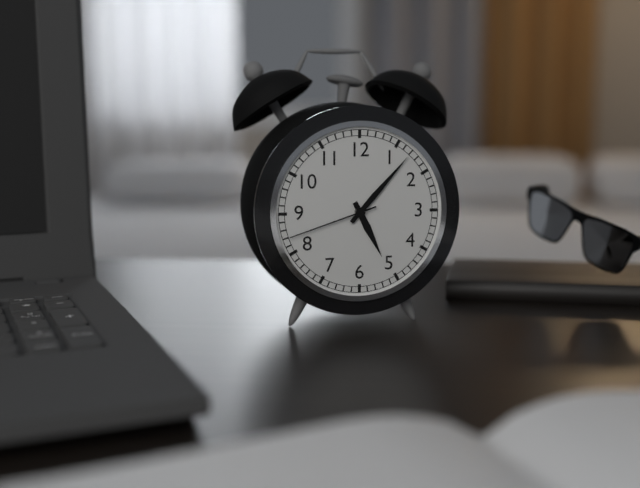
h=5 m=7 s=42
